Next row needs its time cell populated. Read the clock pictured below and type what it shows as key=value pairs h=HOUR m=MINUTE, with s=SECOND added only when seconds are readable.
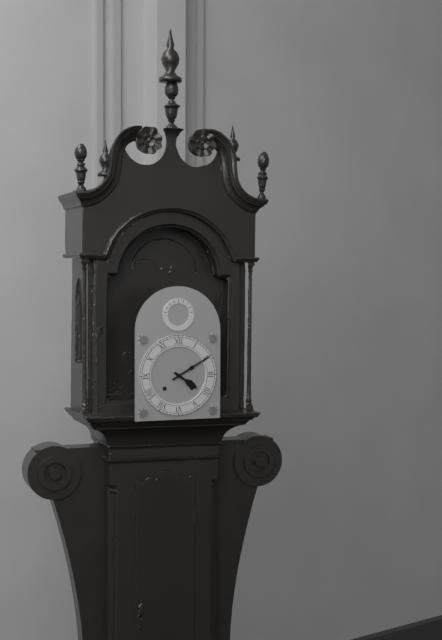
h=4 m=10
